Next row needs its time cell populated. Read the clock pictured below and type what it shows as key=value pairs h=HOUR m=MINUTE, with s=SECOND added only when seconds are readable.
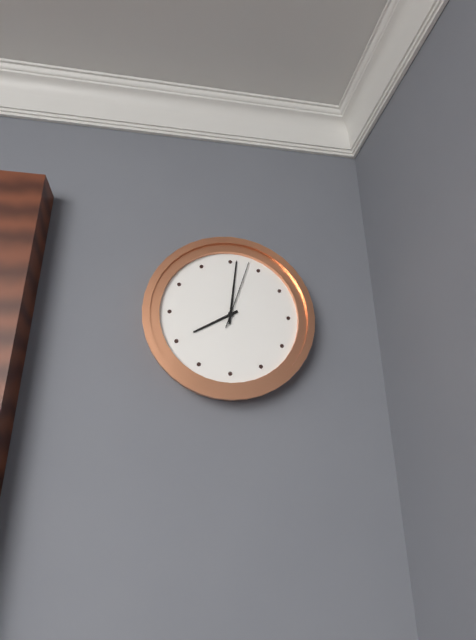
h=8 m=1 s=3
